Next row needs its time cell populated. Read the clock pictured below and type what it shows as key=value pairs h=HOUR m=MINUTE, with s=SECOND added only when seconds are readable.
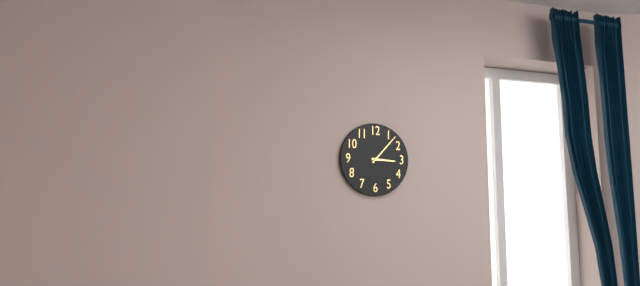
h=3 m=7
